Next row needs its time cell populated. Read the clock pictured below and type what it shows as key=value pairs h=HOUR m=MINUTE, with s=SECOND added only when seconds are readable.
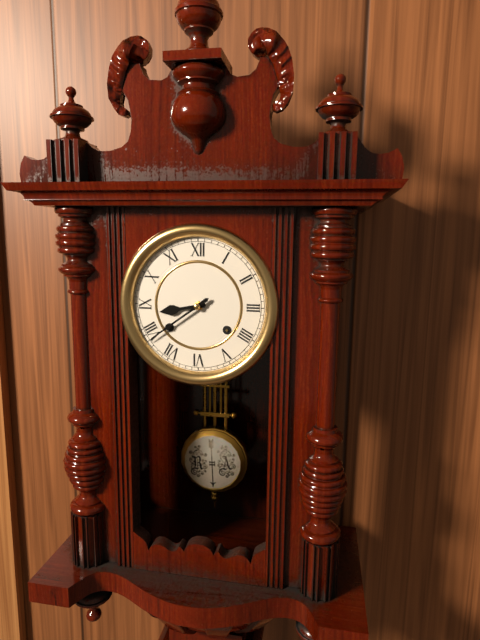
h=8 m=39
